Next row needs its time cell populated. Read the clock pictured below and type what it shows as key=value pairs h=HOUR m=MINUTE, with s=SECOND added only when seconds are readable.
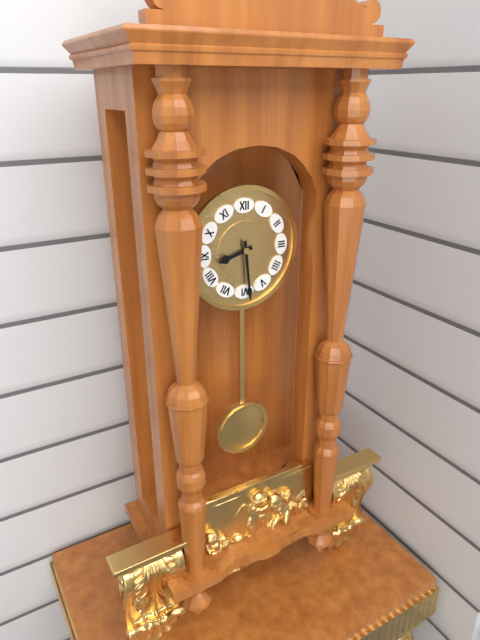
h=8 m=29
